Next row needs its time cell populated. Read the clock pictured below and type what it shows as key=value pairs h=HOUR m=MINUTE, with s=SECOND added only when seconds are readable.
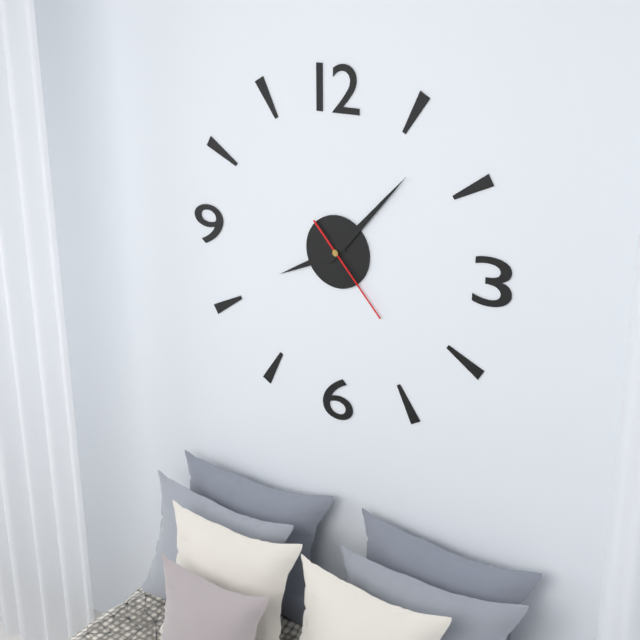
h=8 m=7 s=23
